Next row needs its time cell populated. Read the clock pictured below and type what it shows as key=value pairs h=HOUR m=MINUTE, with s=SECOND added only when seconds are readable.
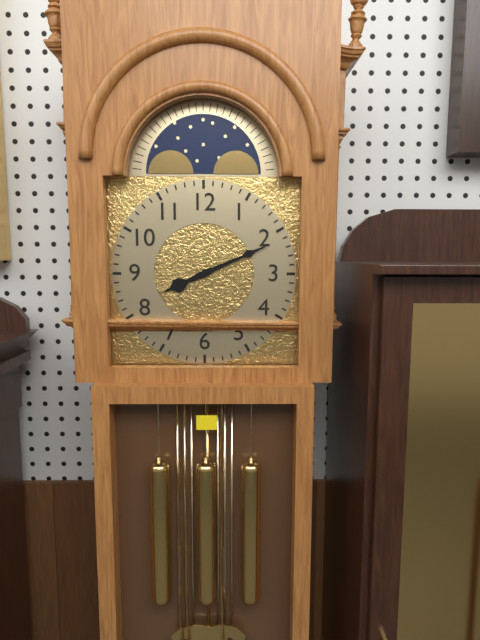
h=8 m=11
